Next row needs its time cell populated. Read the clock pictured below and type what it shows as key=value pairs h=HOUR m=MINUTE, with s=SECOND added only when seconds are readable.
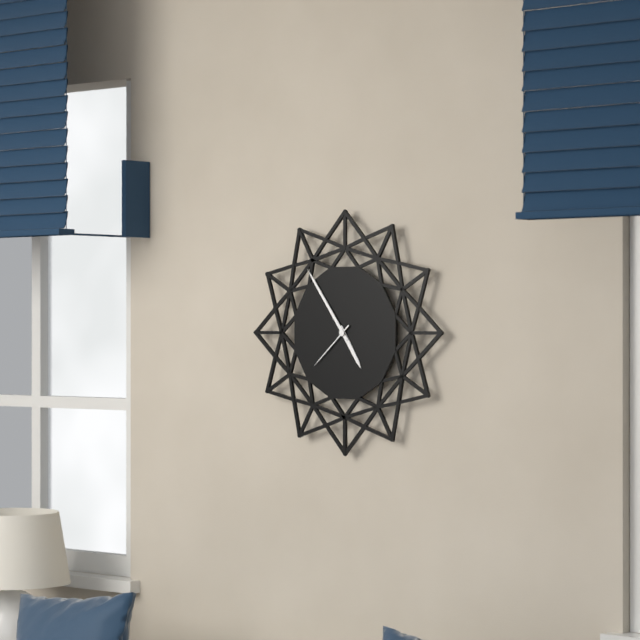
h=4 m=54 s=38
